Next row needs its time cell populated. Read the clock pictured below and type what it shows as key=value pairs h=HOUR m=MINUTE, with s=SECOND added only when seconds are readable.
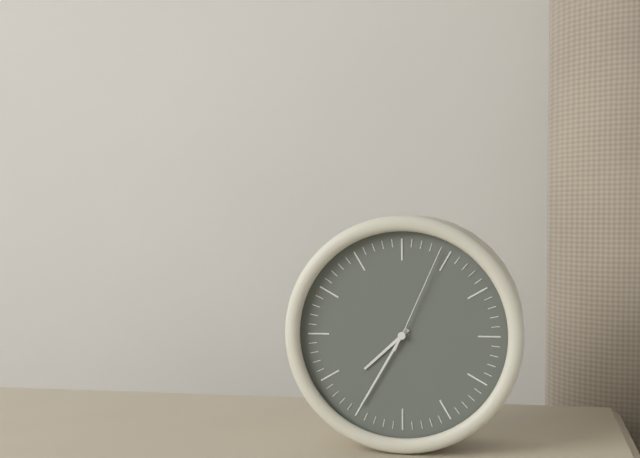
h=7 m=35 s=4
